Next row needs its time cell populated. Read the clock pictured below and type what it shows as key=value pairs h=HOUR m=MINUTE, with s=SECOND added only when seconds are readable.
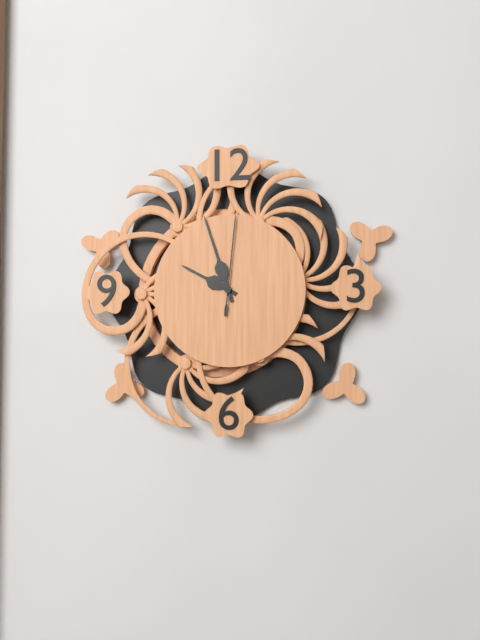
h=9 m=57 s=1
